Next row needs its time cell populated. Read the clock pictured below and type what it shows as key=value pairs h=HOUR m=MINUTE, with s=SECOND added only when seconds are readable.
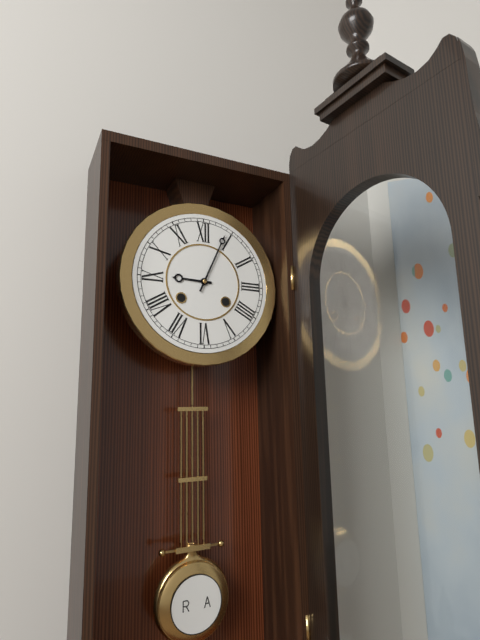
h=9 m=4
